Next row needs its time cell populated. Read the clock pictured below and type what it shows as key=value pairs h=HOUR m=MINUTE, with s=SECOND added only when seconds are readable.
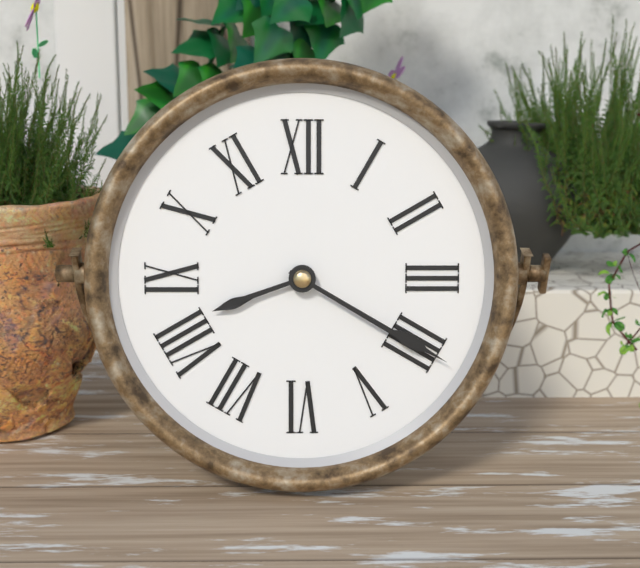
h=8 m=20
